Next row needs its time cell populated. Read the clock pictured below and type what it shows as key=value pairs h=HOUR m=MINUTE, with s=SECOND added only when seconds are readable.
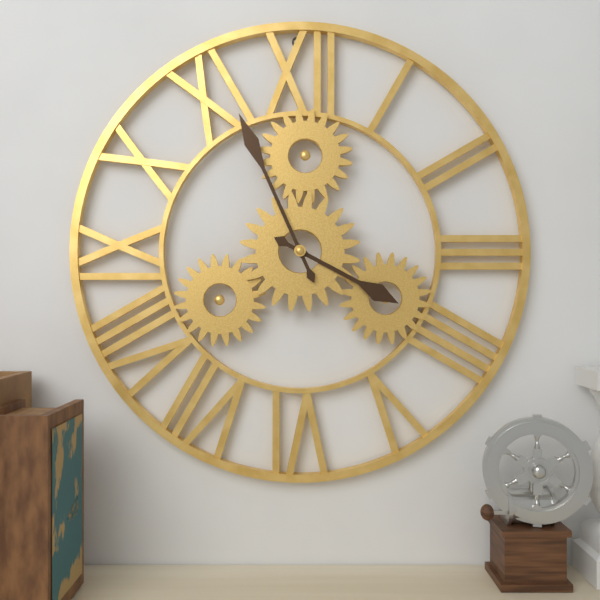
h=3 m=56
